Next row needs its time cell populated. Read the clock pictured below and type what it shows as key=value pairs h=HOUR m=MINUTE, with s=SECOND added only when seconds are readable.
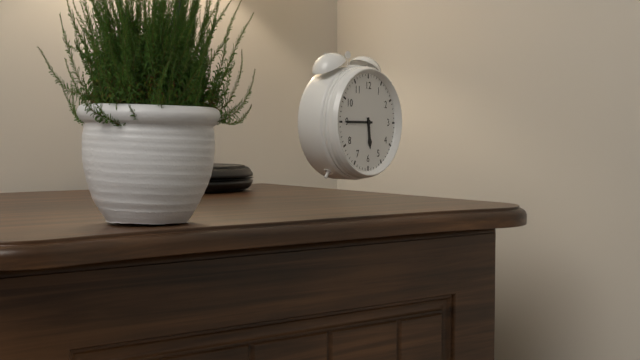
h=5 m=45
